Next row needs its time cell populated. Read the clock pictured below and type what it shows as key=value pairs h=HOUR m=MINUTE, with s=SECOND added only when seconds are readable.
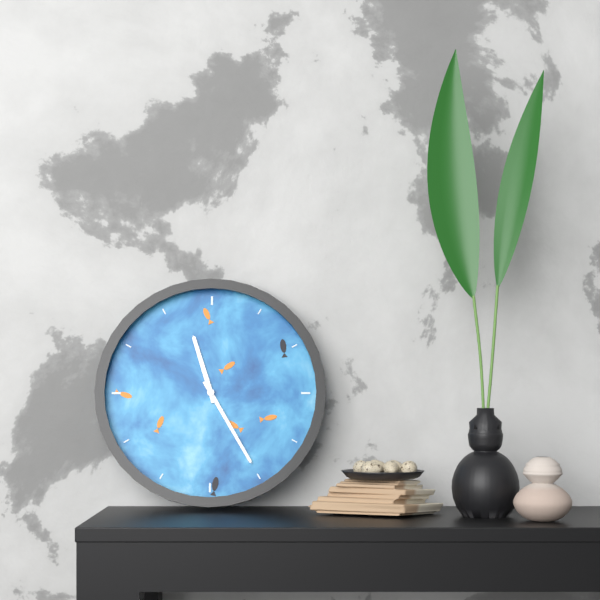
h=11 m=25
